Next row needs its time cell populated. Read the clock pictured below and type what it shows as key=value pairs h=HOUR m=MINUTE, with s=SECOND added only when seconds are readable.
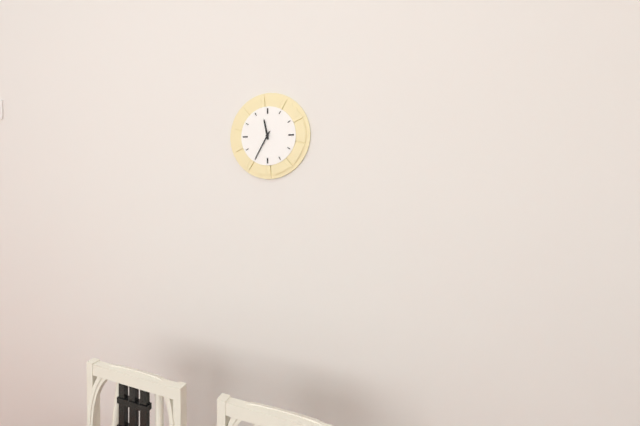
h=11 m=35
